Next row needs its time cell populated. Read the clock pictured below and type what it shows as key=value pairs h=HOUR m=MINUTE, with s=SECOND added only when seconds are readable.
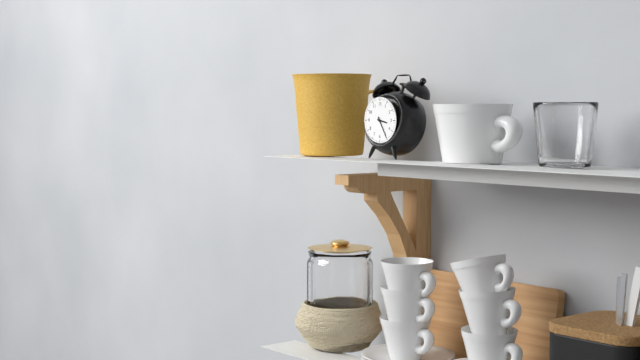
h=3 m=25
